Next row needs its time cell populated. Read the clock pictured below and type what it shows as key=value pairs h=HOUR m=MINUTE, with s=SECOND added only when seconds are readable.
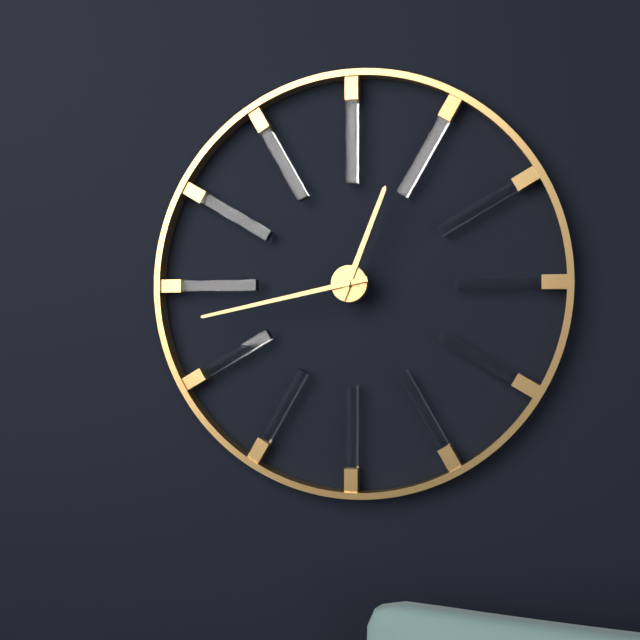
h=12 m=43
